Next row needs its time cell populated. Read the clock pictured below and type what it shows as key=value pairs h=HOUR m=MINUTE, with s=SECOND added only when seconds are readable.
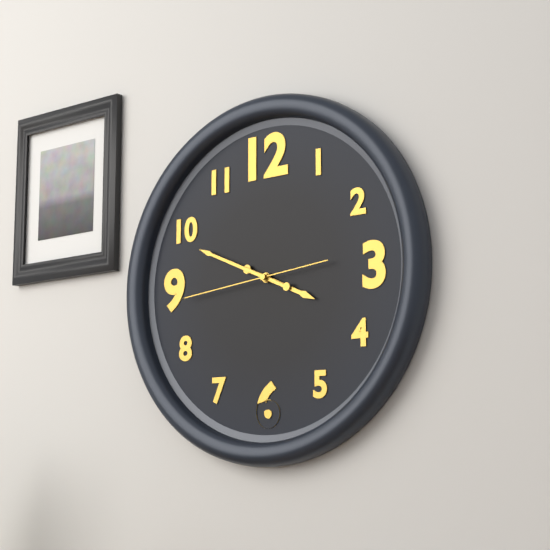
h=3 m=49 s=44
